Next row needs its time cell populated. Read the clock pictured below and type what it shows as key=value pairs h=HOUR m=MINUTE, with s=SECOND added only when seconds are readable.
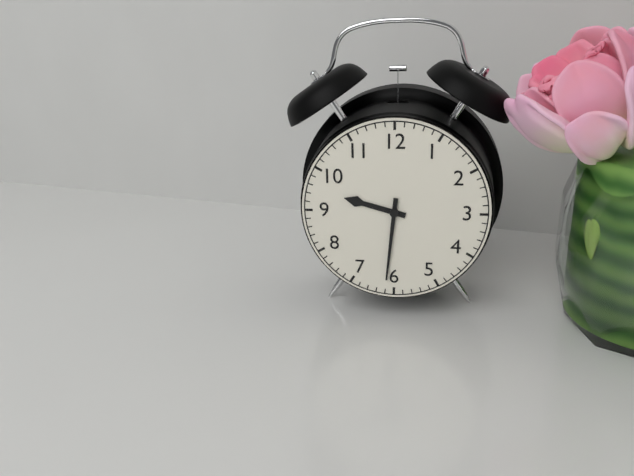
h=9 m=31
